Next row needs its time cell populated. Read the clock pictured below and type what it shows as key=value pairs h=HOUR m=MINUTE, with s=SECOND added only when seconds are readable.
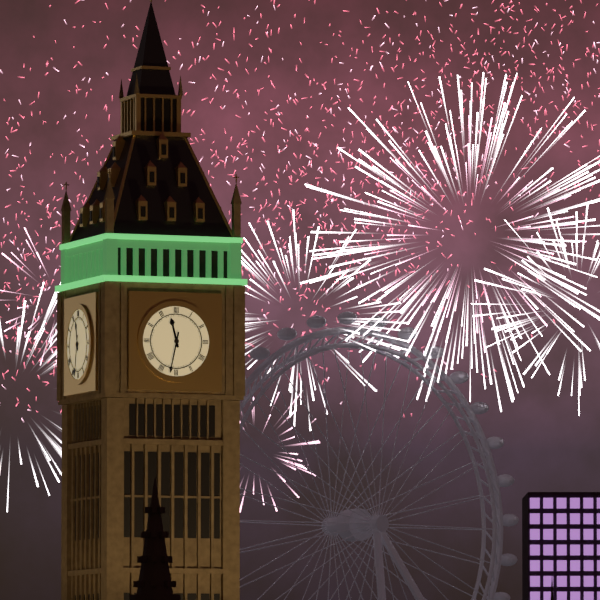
h=11 m=32
